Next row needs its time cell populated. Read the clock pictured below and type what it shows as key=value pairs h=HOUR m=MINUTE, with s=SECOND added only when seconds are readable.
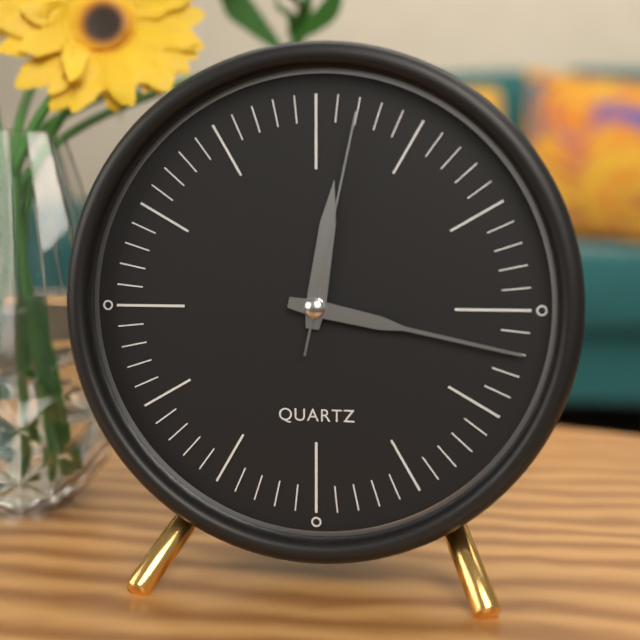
h=12 m=17 s=2
